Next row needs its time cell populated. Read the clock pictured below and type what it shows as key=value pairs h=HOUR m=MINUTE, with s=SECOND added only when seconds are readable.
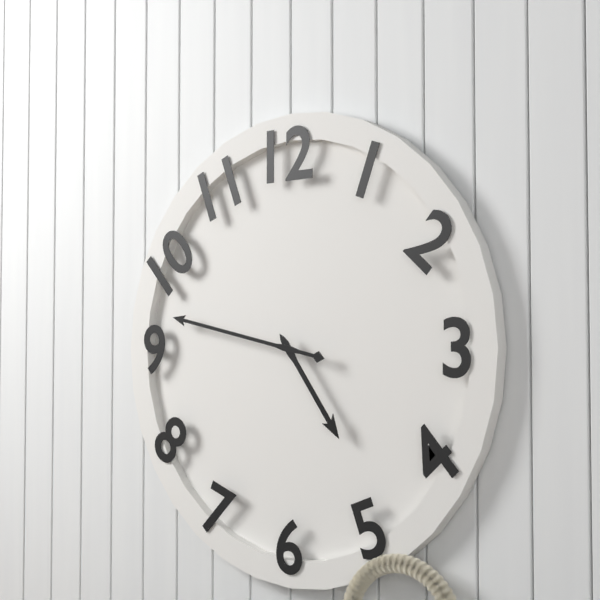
h=4 m=47
